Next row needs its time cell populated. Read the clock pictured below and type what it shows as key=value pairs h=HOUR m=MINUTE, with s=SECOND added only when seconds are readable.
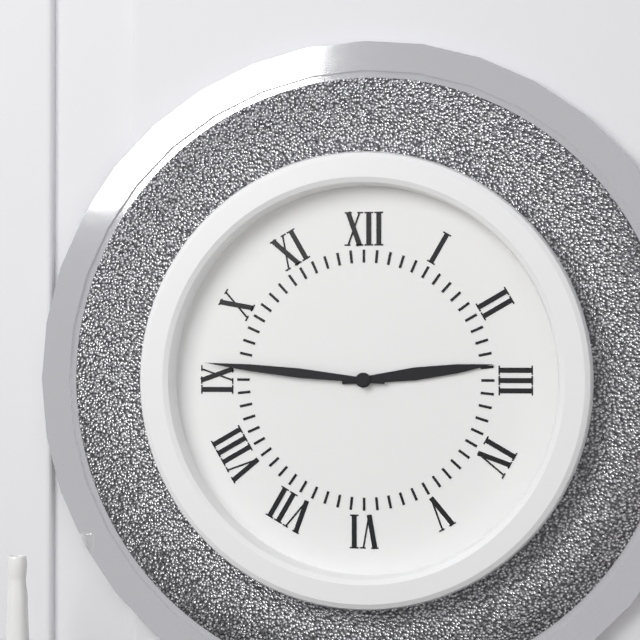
h=2 m=46
